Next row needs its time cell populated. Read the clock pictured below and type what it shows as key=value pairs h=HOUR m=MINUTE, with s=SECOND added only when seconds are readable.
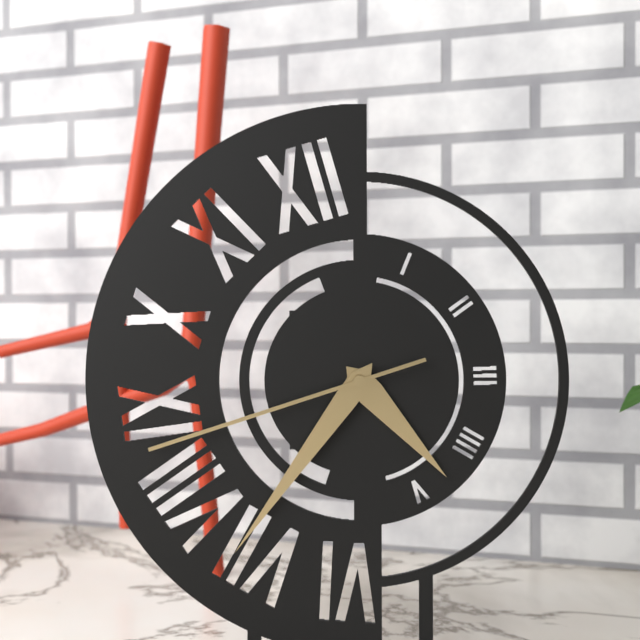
h=4 m=36 s=42
